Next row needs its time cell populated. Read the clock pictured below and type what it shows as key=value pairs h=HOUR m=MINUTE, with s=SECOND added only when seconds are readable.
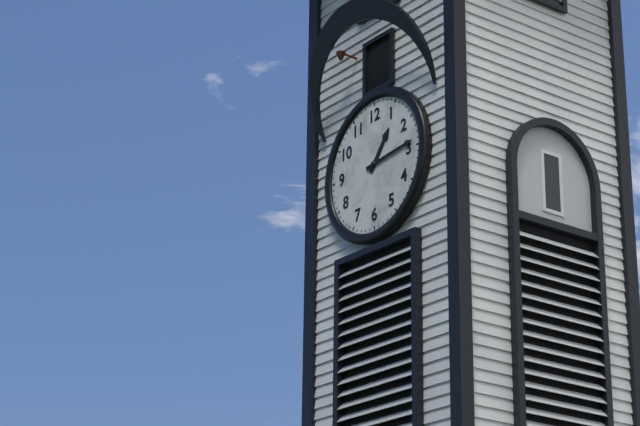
h=1 m=14
